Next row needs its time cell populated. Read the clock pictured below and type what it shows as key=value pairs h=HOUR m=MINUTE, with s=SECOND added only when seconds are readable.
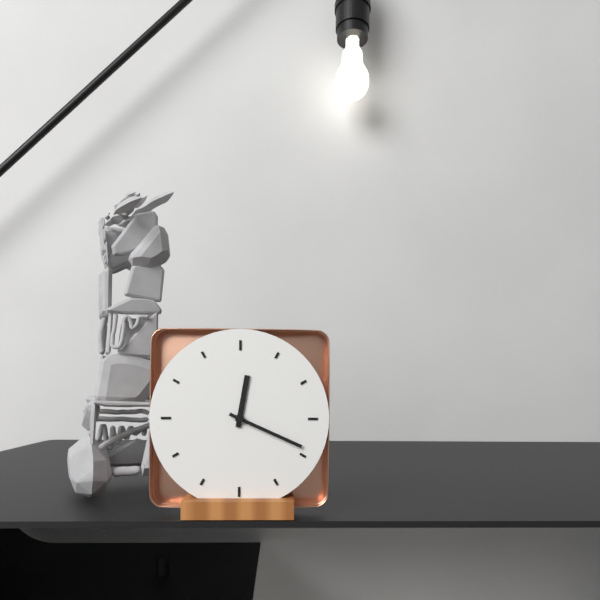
h=12 m=19
